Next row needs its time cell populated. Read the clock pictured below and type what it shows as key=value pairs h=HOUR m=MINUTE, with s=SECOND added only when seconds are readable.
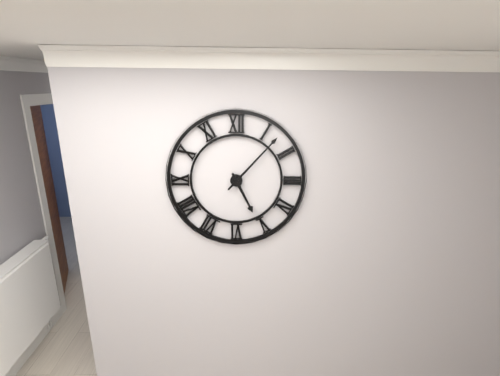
h=5 m=7
